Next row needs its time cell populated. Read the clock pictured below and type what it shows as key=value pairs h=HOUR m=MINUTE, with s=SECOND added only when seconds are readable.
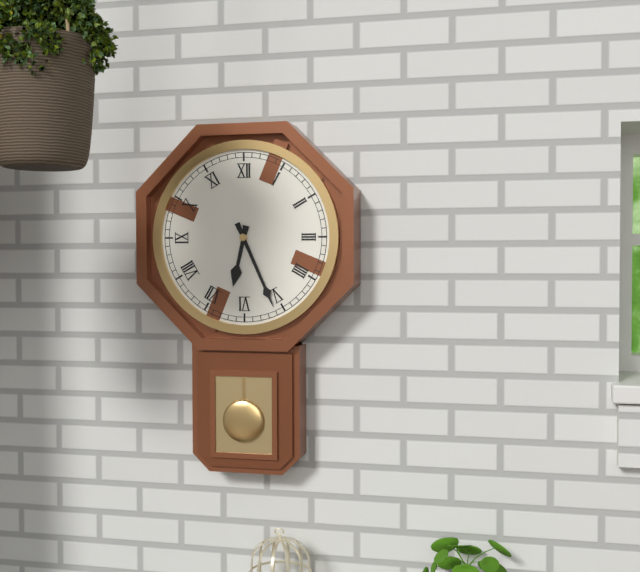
h=6 m=26
